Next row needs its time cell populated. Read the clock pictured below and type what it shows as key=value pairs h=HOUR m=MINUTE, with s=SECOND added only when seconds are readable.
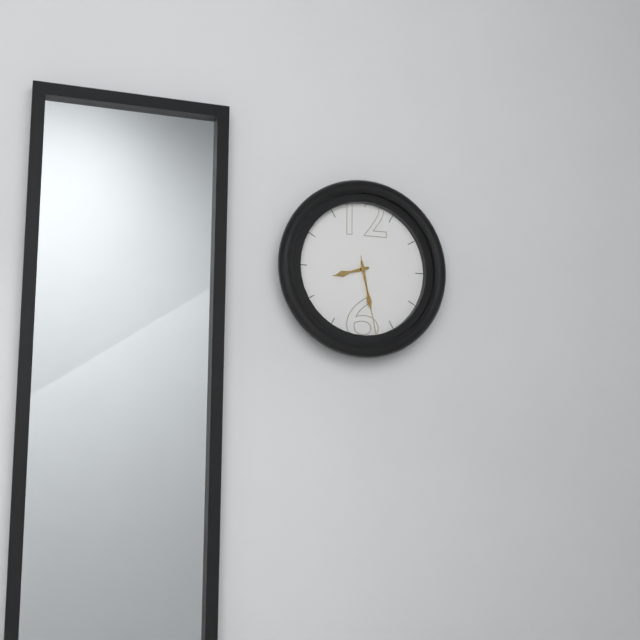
h=8 m=28 s=28
